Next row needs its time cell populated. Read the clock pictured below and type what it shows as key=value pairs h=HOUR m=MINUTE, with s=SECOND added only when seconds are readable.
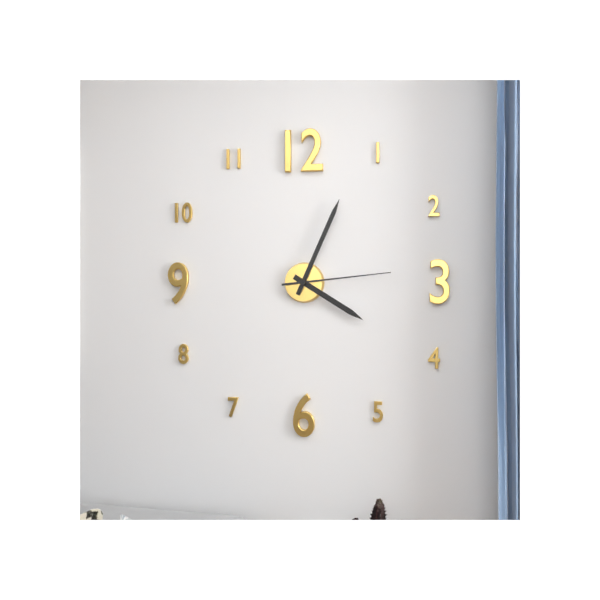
h=4 m=4 s=14
